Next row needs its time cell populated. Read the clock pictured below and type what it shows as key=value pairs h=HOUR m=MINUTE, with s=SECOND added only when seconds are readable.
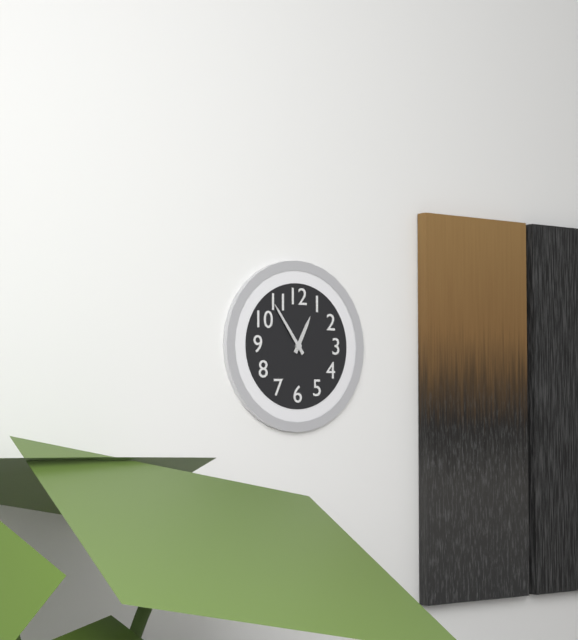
h=12 m=54
